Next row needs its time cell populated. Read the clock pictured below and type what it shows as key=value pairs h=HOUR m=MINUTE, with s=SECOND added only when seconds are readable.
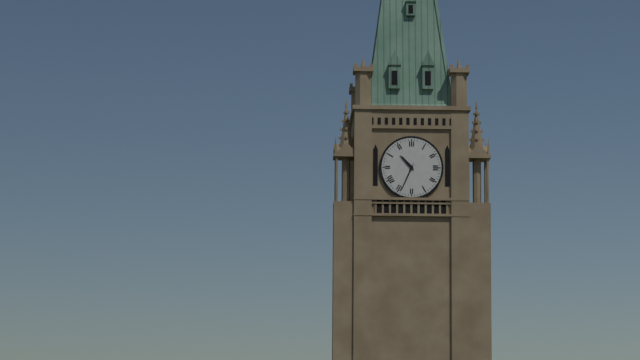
h=10 m=34
